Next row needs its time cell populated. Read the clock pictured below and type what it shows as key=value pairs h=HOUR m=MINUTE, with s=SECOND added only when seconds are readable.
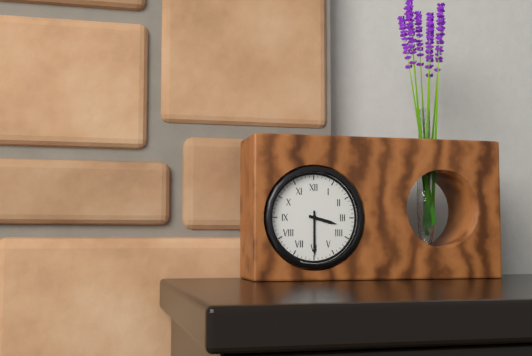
h=3 m=30
